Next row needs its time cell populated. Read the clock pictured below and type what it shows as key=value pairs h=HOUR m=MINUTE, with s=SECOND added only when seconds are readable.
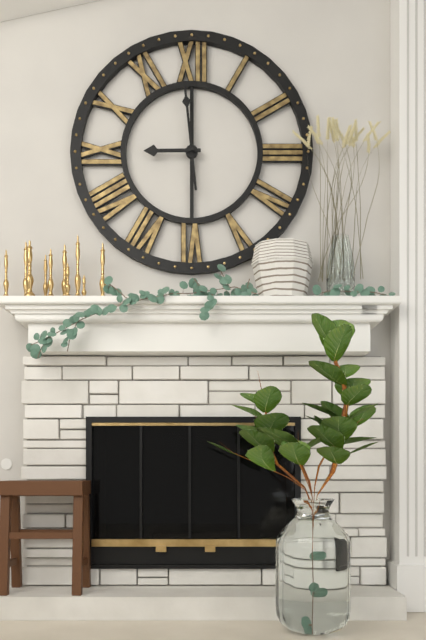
h=8 m=59
